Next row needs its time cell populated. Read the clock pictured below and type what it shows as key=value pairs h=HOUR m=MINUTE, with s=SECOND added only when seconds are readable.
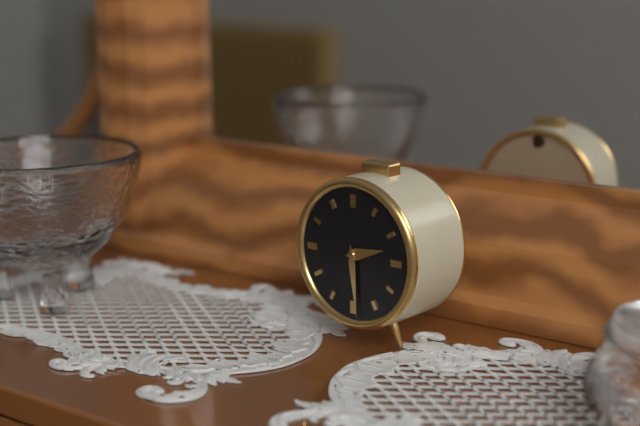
h=2 m=29
